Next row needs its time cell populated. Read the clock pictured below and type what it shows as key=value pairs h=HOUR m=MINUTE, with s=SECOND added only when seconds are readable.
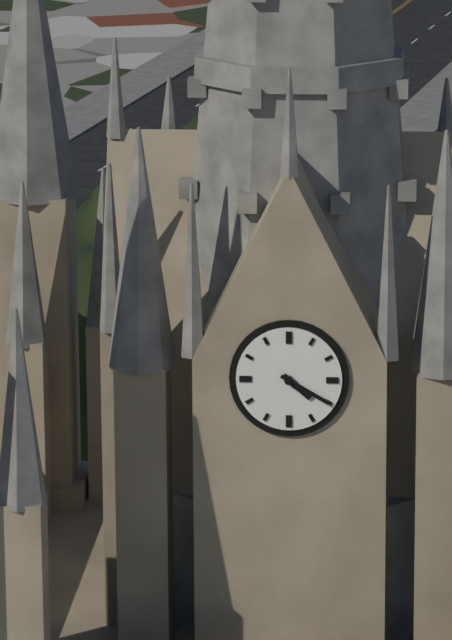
h=4 m=20
